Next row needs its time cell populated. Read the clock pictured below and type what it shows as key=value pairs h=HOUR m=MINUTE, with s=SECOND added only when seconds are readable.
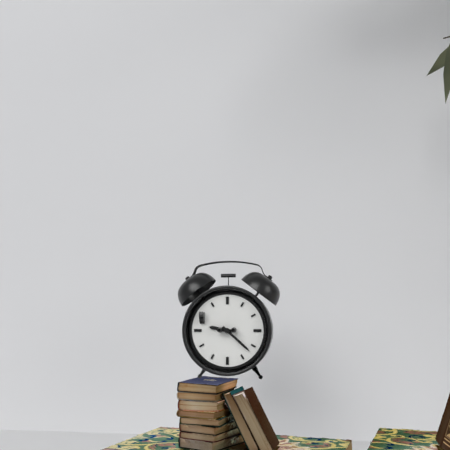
h=9 m=22
